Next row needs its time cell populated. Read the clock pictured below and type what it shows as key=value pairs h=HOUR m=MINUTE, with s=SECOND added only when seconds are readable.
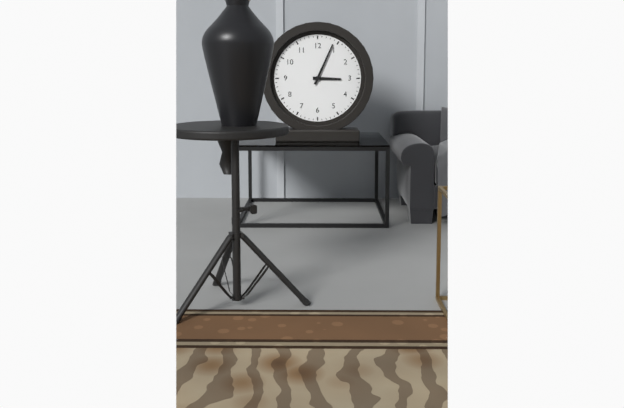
h=3 m=4
